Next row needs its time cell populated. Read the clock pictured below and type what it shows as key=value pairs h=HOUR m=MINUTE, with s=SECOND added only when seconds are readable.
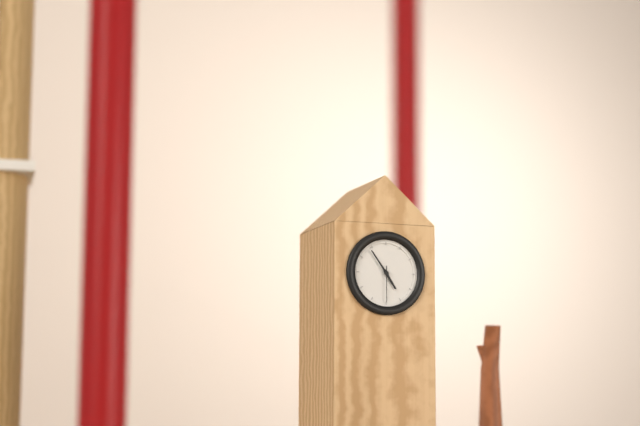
h=4 m=54
